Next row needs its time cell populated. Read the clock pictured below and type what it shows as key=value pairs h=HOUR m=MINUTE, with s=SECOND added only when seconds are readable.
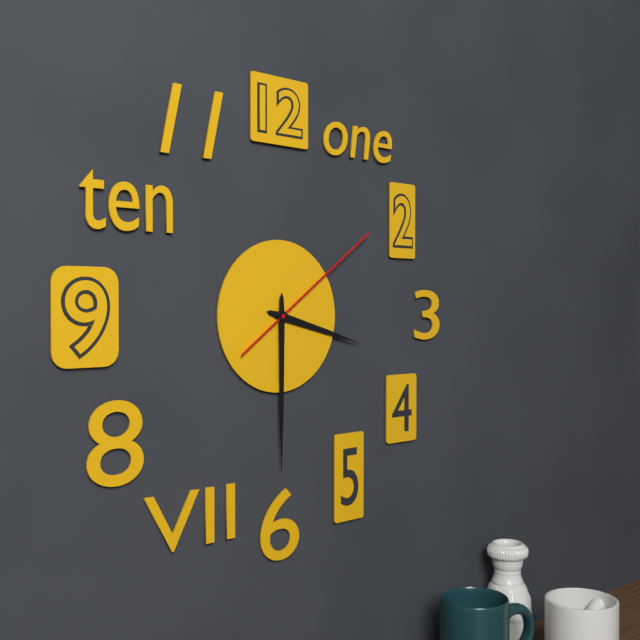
h=3 m=30 s=9
